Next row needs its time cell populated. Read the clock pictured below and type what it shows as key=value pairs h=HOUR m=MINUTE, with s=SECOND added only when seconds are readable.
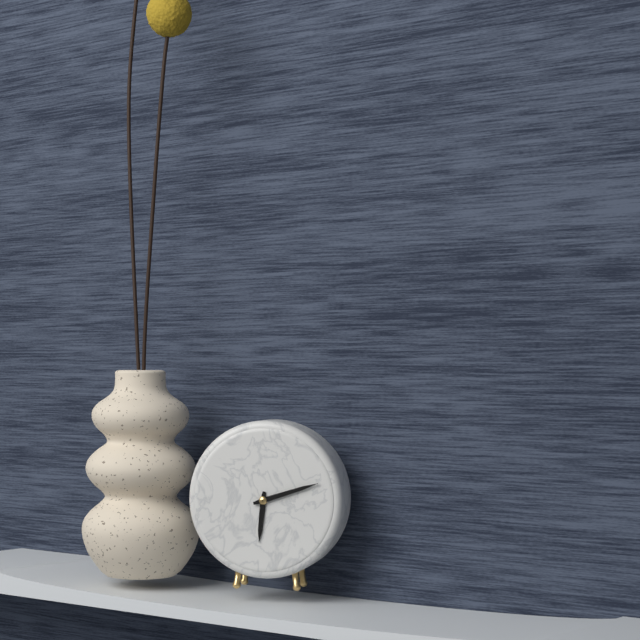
h=6 m=12
